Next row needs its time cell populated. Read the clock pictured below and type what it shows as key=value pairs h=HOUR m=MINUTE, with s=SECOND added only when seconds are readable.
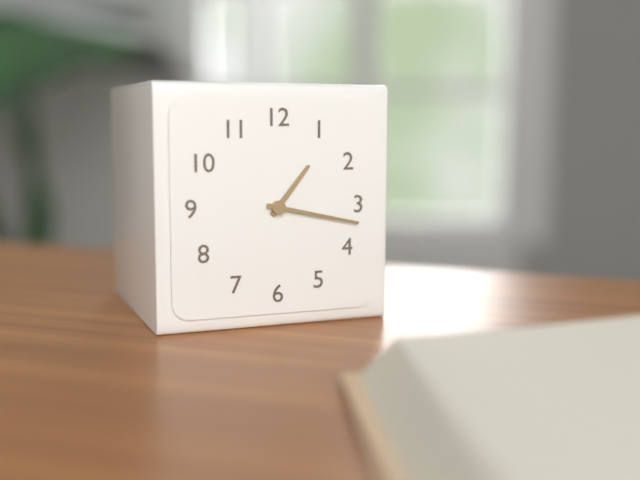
h=1 m=17
